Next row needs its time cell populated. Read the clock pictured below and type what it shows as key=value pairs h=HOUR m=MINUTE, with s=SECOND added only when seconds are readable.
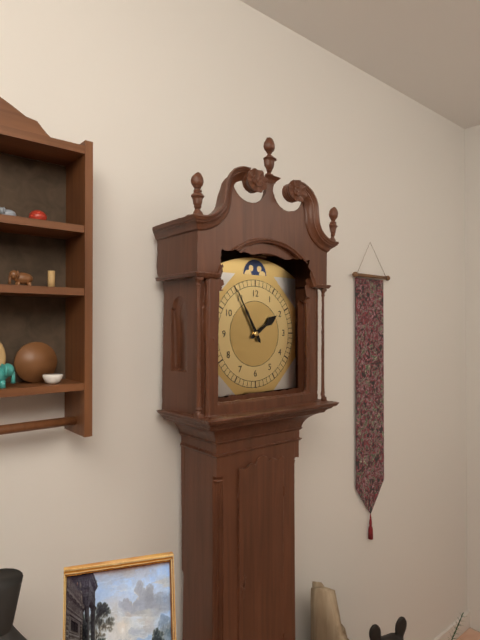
h=1 m=55
